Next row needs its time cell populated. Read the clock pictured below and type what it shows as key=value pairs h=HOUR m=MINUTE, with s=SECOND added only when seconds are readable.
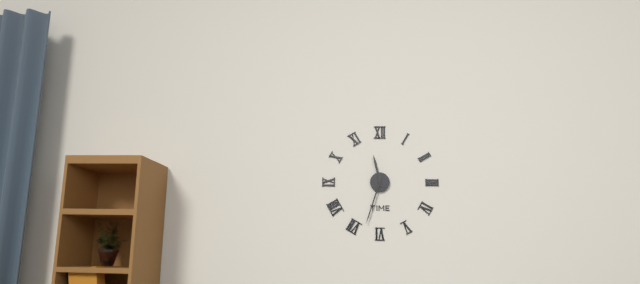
h=11 m=33
